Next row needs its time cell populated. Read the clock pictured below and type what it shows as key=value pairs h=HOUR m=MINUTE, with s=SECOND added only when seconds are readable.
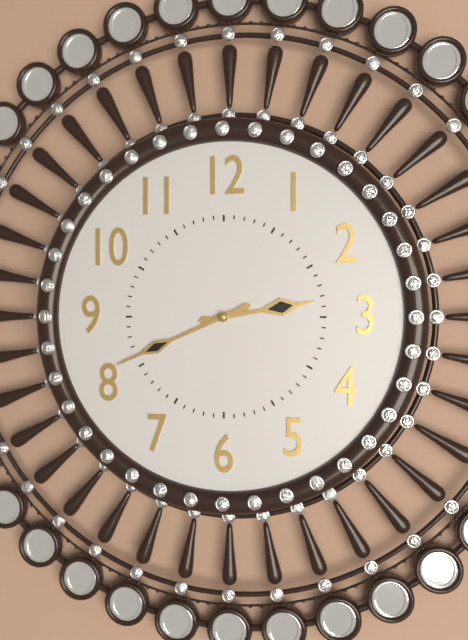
h=2 m=41
